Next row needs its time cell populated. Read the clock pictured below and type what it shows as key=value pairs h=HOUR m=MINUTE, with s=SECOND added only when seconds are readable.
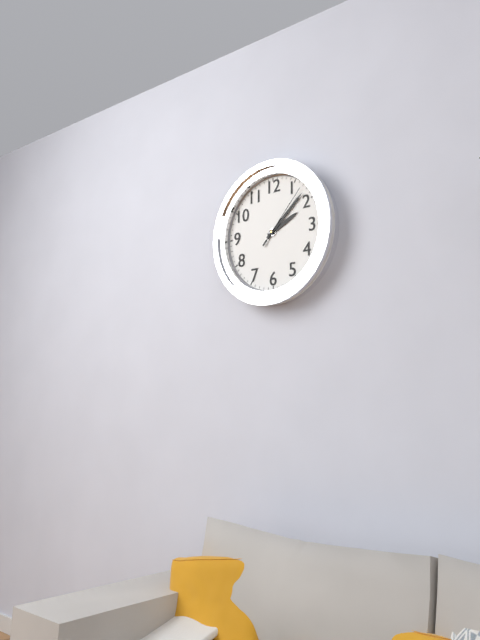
h=2 m=8 s=7
